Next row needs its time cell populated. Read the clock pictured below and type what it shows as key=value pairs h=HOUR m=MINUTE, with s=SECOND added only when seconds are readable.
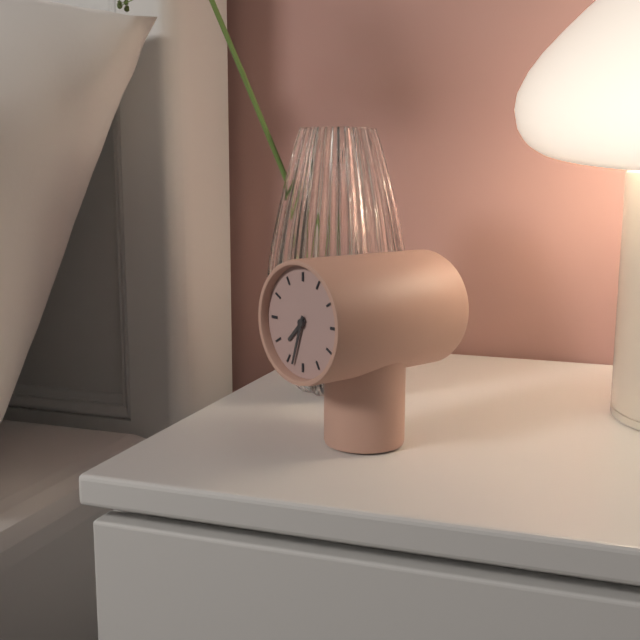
h=7 m=33
